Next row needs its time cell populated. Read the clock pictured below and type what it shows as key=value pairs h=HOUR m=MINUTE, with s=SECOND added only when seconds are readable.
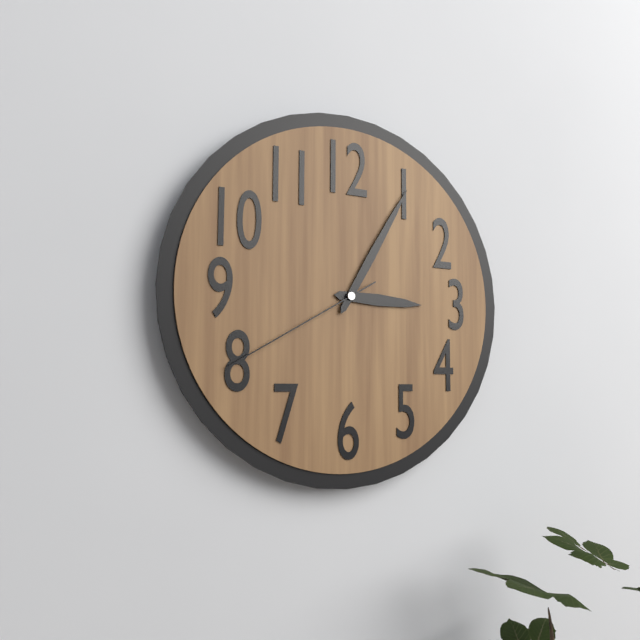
h=3 m=5 s=40
